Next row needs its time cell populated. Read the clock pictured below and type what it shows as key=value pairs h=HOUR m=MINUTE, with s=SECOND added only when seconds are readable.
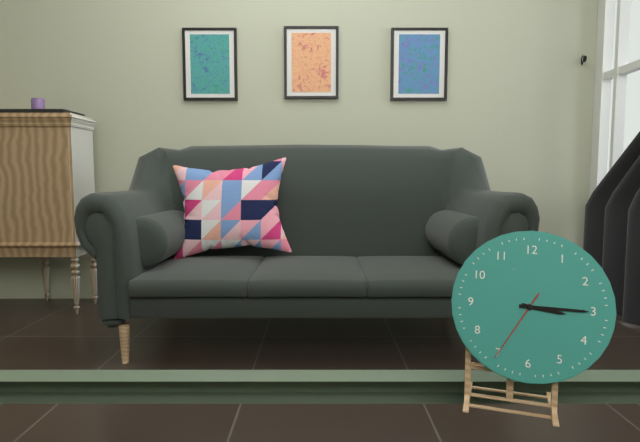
h=3 m=15 s=35
